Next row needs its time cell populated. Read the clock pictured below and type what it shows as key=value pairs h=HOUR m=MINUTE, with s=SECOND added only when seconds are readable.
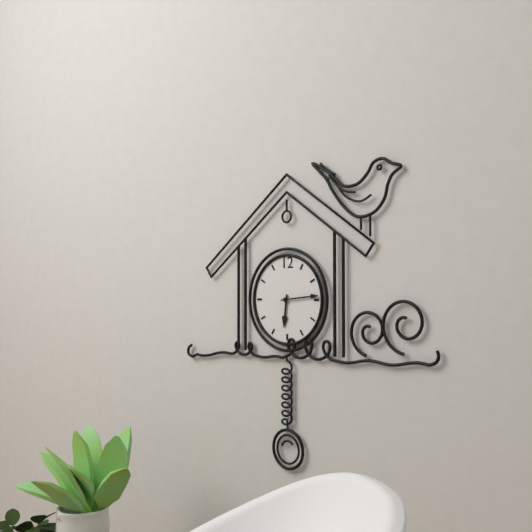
h=6 m=14
